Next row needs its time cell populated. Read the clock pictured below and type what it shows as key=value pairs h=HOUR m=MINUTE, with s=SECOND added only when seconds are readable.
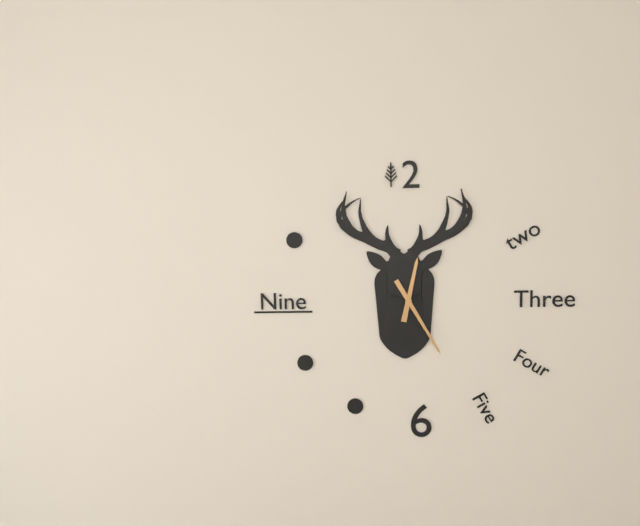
h=12 m=25
